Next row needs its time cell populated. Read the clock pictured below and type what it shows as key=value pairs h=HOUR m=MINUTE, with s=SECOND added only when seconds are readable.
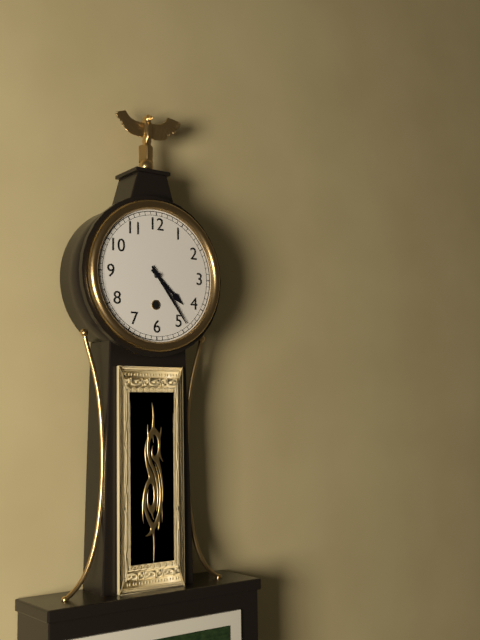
h=4 m=24
